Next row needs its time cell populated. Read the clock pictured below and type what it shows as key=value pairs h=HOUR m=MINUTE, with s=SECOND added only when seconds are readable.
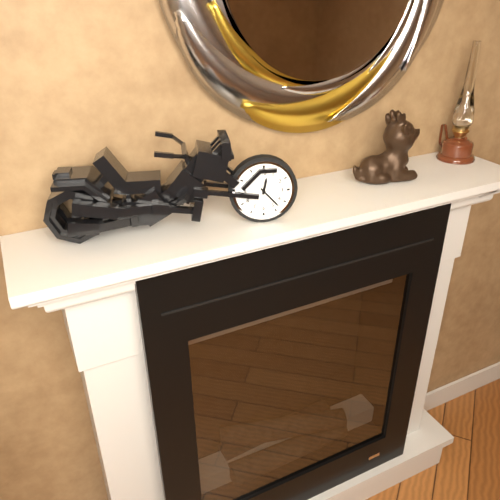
h=12 m=23
